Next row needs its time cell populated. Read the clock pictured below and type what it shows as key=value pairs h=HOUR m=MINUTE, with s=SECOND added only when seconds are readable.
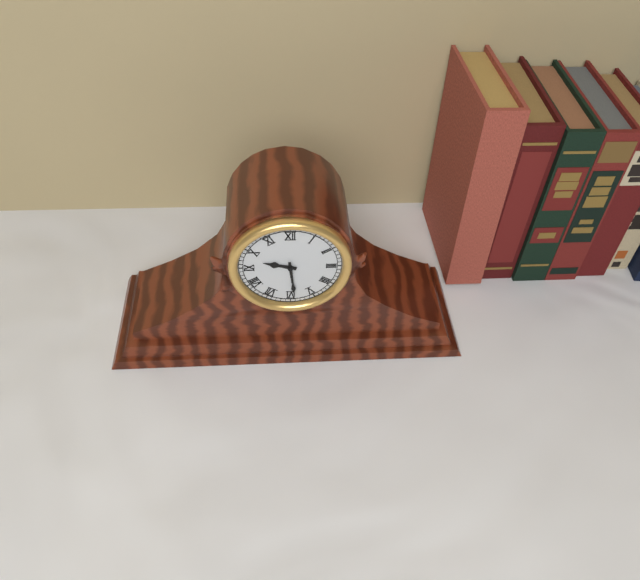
h=9 m=29
